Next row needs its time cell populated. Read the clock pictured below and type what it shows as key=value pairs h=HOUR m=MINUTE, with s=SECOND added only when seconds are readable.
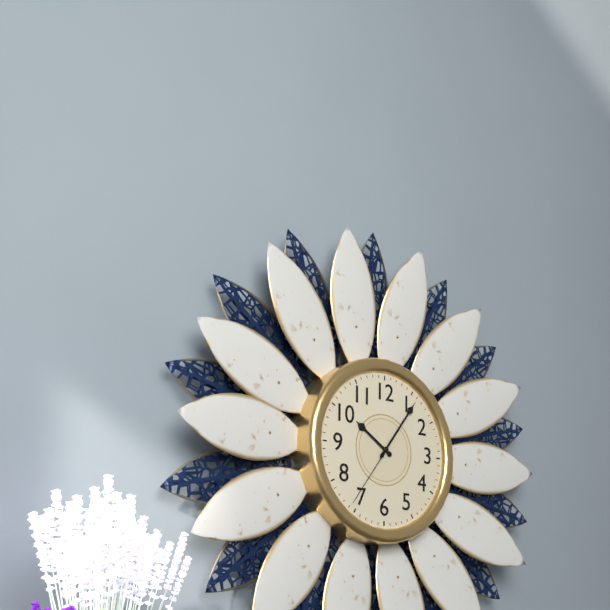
h=10 m=6 s=36
